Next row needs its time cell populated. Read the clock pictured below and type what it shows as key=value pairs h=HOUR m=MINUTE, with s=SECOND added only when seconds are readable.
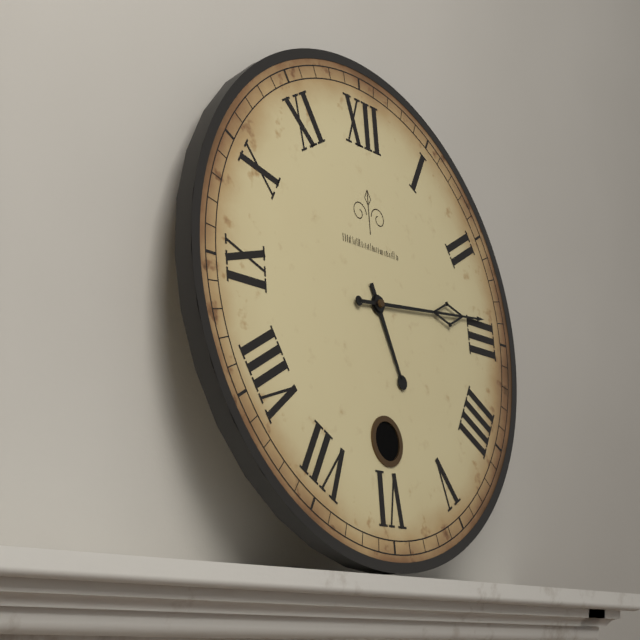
h=5 m=14
